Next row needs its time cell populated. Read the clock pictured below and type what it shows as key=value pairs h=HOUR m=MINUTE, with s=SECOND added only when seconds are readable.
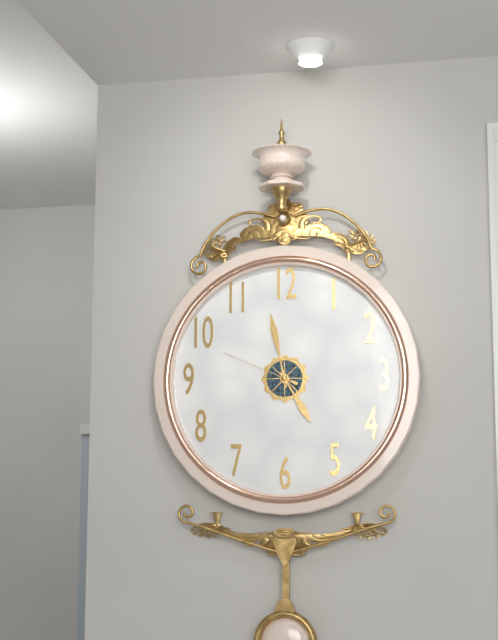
h=4 m=58 s=49
